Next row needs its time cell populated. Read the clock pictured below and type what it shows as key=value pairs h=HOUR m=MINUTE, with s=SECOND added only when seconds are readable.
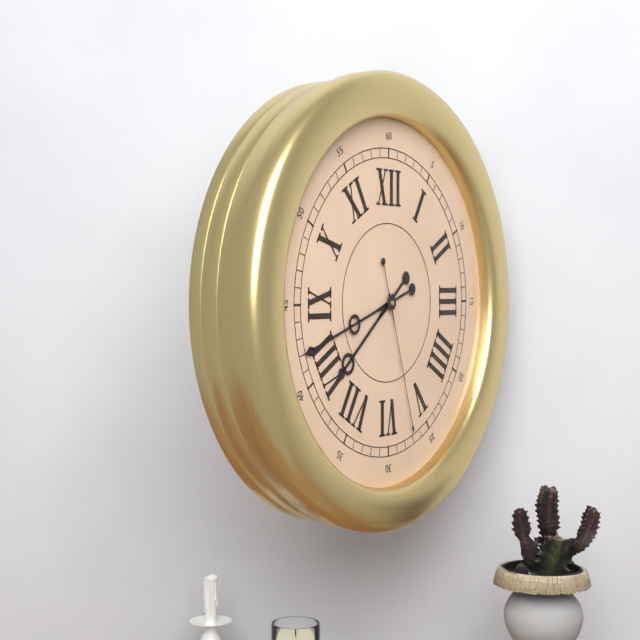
h=7 m=42 s=27
